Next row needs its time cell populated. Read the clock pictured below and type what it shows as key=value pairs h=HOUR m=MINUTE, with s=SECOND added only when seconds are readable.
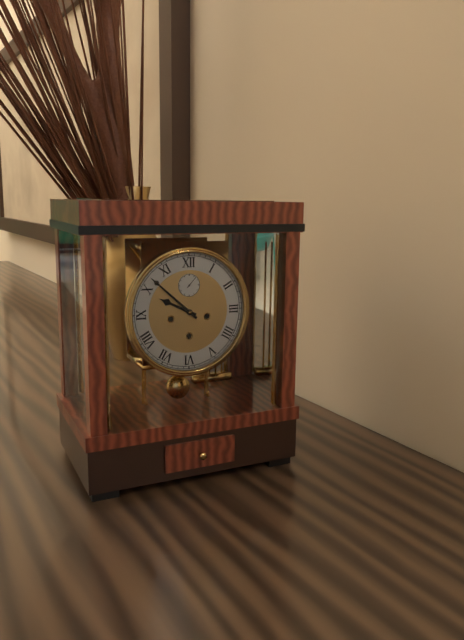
h=9 m=52
